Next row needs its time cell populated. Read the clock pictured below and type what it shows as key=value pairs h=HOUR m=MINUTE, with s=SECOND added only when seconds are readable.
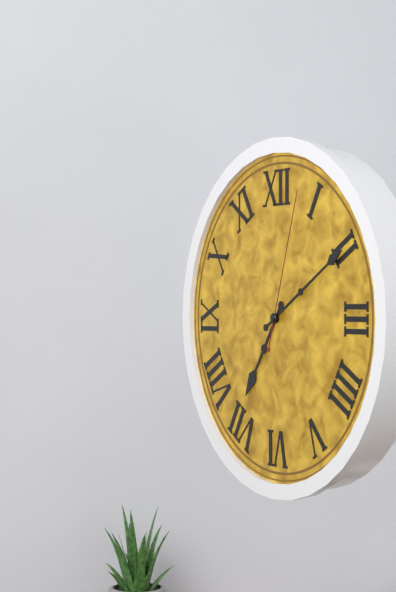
h=7 m=10 s=3
